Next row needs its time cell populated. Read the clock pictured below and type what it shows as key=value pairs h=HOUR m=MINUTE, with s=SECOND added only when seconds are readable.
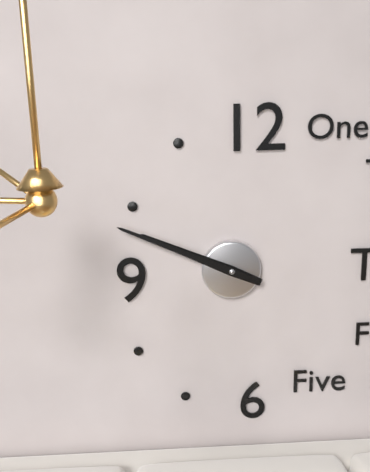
h=9 m=49
